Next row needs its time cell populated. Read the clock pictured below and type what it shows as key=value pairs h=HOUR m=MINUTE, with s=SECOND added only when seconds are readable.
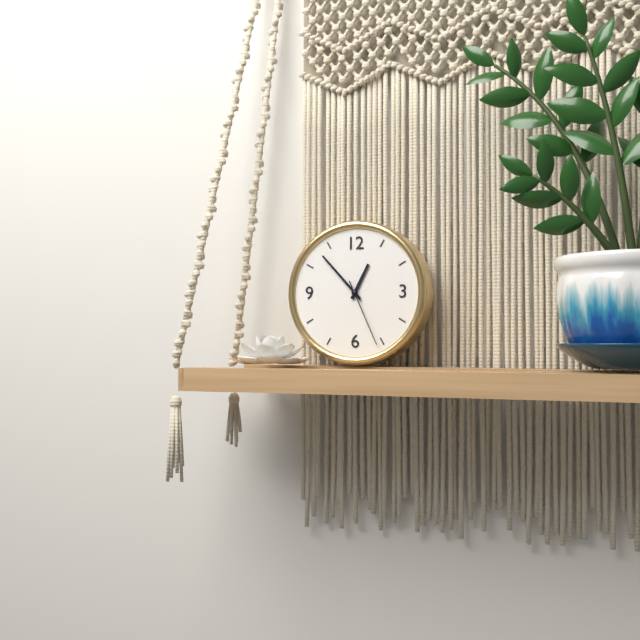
h=12 m=53 s=26
